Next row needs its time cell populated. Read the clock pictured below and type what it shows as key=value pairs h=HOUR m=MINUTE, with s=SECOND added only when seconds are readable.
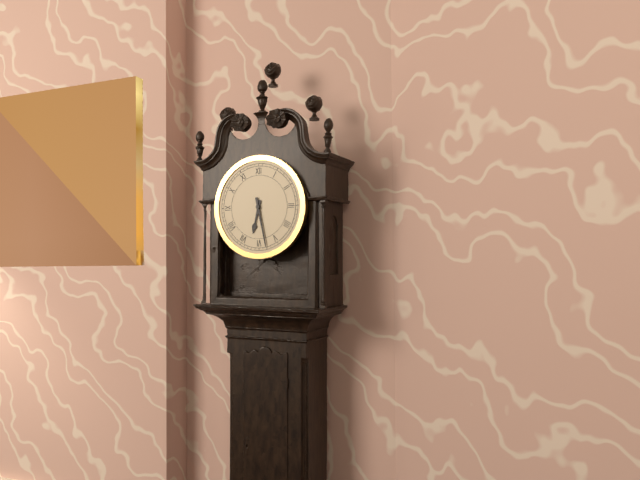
h=6 m=28
